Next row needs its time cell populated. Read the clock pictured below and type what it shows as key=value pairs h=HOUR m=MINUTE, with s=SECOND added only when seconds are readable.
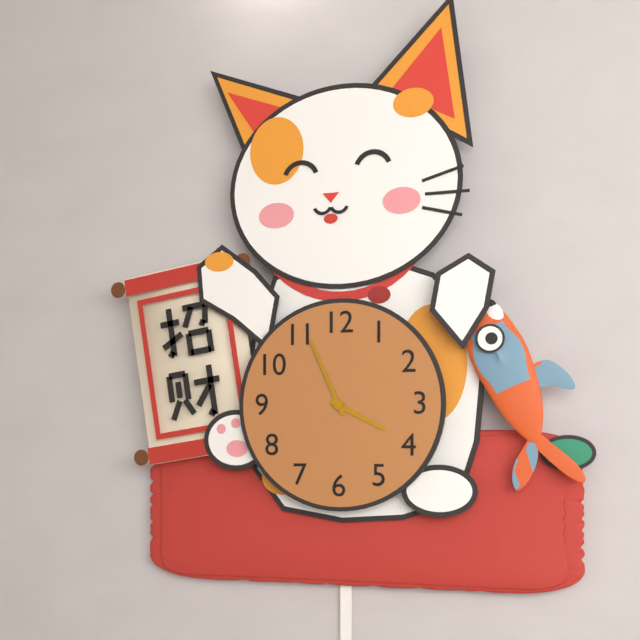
h=3 m=56
